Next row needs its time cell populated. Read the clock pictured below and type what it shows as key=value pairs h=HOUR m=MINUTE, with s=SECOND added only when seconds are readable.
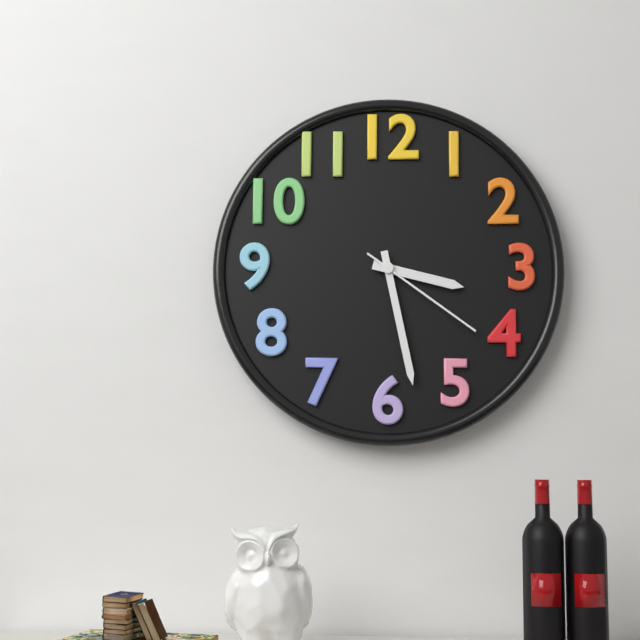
h=3 m=28 s=21
